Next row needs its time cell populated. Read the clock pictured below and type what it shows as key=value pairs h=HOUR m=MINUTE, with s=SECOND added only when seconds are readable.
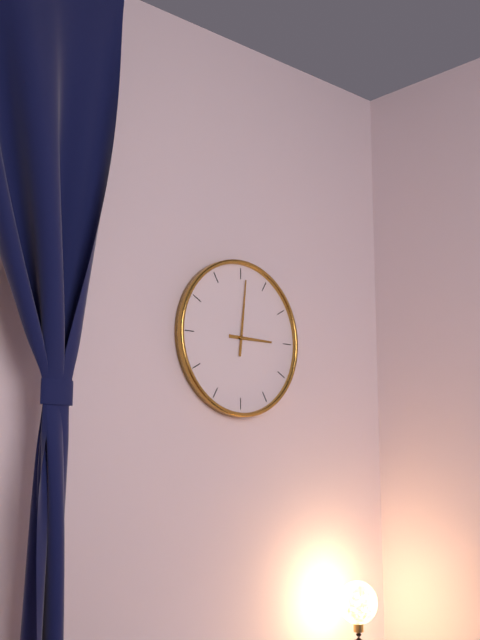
h=3 m=1
